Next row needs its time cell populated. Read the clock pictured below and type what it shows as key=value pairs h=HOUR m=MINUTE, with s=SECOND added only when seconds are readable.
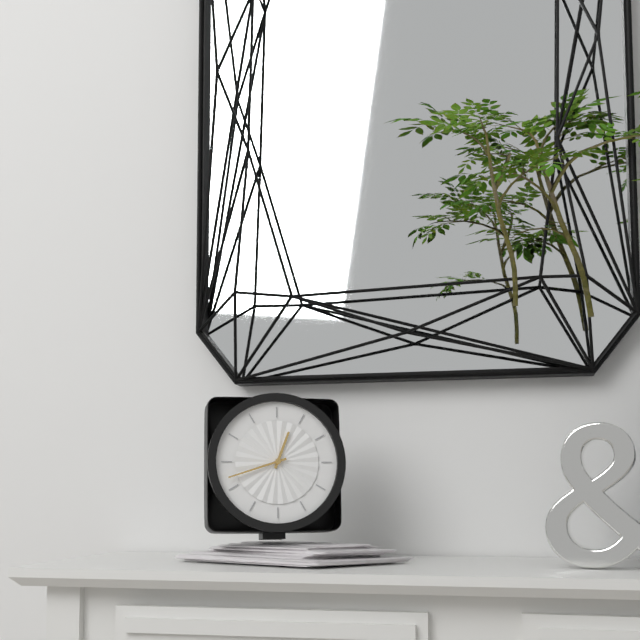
h=12 m=42
